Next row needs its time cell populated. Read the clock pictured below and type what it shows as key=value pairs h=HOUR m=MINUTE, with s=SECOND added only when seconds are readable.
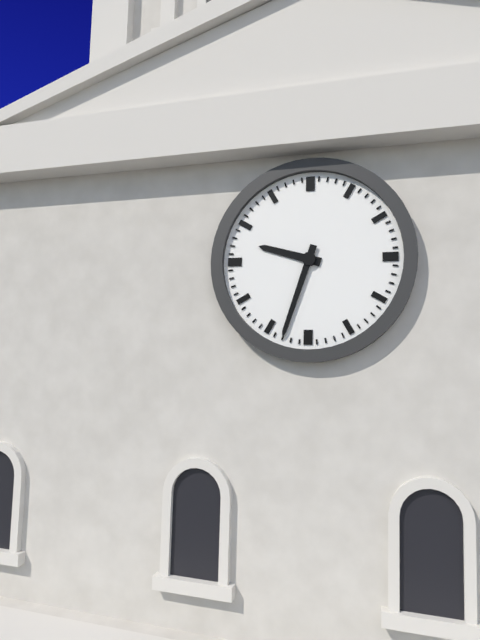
h=9 m=33
